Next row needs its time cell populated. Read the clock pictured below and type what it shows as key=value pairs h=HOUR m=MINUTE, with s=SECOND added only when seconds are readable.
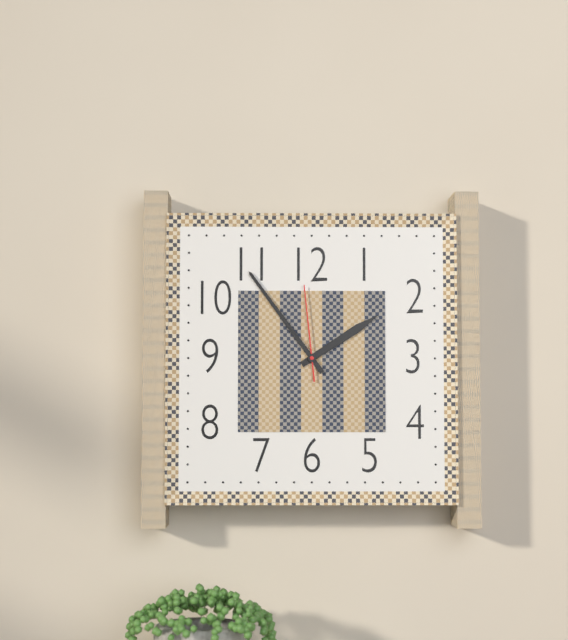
h=1 m=54 s=59
